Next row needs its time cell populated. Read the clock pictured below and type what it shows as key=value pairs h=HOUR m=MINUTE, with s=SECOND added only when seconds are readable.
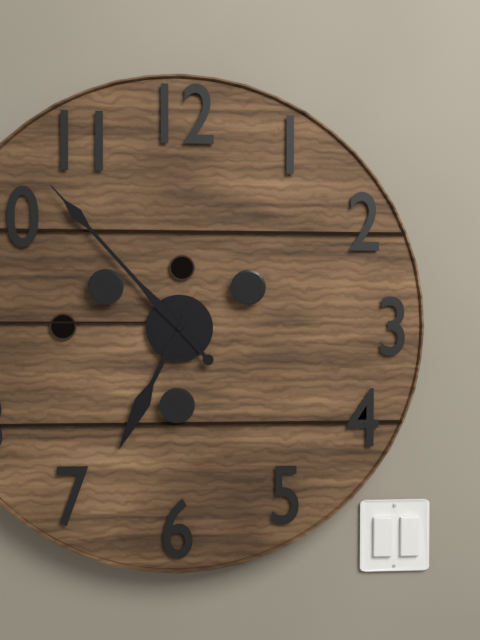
h=6 m=53
